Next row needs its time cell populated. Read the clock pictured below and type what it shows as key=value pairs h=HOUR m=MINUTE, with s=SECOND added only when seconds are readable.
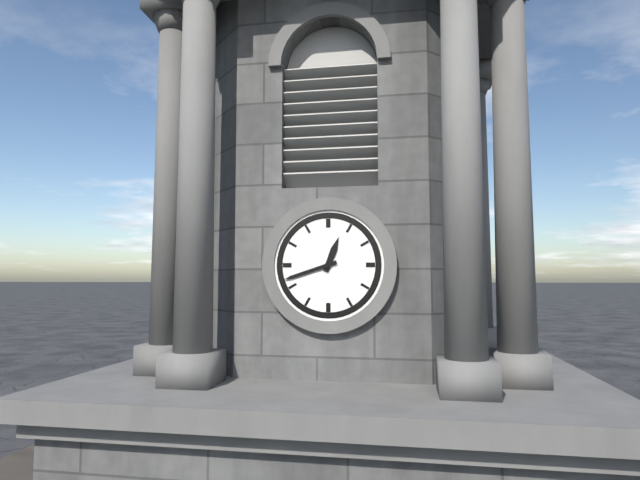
h=12 m=42
